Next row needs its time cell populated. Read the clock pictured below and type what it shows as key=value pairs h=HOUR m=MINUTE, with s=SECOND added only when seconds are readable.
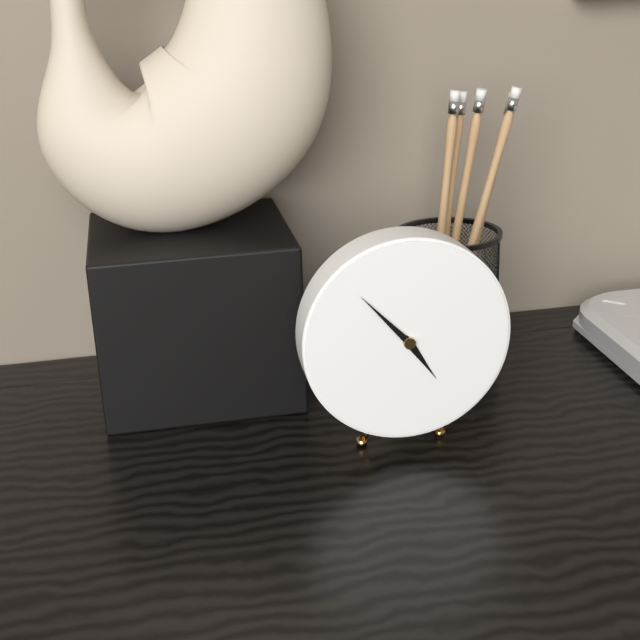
h=4 m=53
